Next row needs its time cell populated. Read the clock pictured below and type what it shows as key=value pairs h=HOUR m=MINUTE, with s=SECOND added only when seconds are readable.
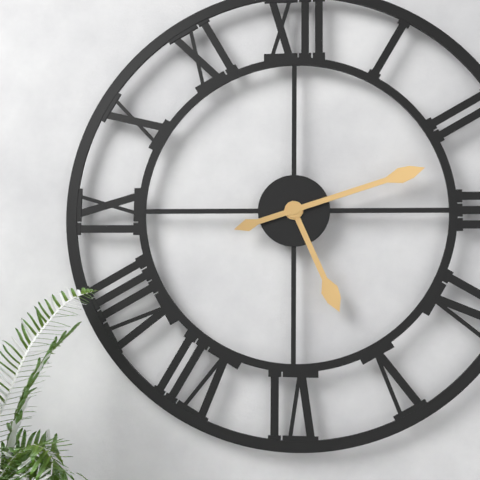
h=5 m=12
